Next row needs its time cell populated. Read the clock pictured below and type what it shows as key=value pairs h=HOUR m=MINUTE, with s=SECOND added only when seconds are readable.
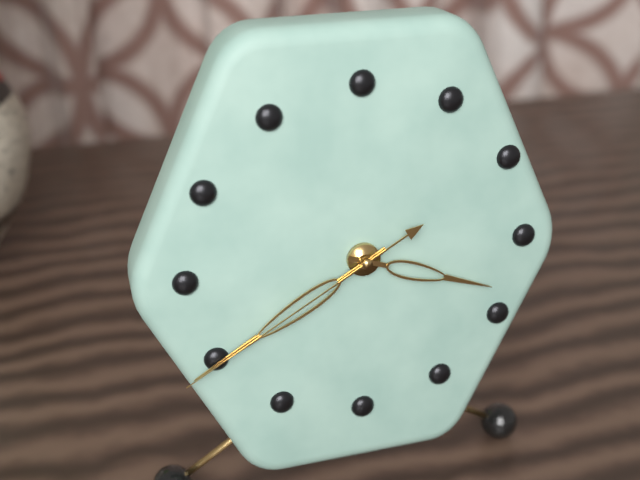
h=3 m=40 s=40
